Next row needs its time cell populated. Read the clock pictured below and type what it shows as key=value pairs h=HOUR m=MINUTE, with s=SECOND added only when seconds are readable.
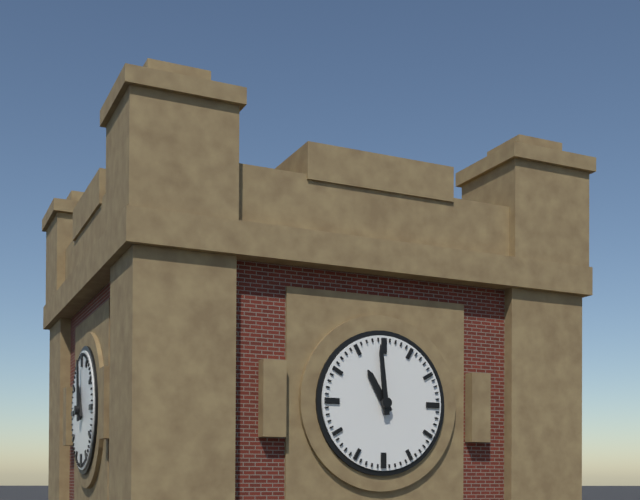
h=10 m=59
